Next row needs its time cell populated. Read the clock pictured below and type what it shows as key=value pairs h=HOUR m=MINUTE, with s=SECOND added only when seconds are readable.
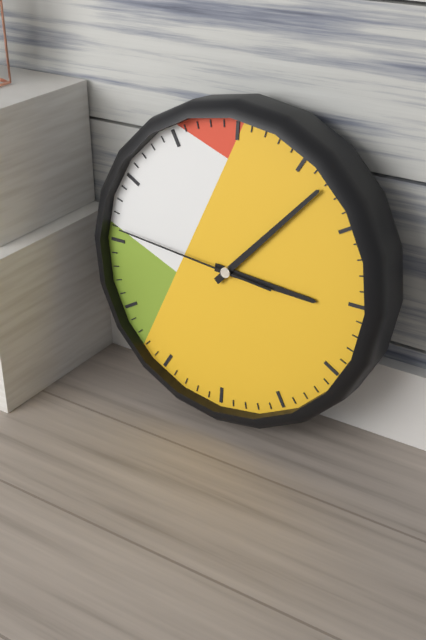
h=3 m=7 s=46
